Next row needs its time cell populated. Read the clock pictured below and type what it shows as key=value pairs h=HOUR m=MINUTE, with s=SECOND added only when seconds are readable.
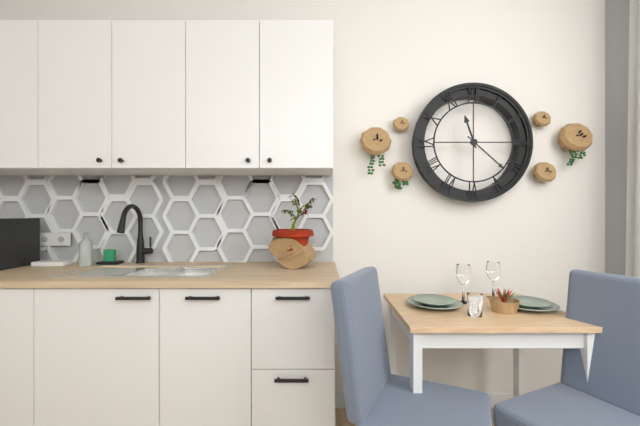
h=11 m=22
